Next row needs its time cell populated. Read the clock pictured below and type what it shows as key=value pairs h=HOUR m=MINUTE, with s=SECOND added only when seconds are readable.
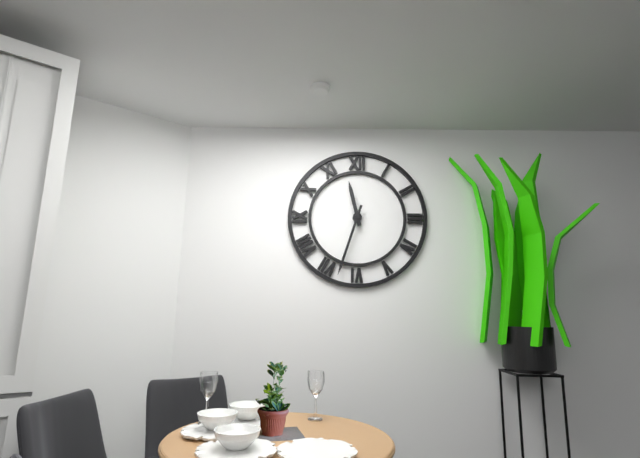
h=11 m=33
